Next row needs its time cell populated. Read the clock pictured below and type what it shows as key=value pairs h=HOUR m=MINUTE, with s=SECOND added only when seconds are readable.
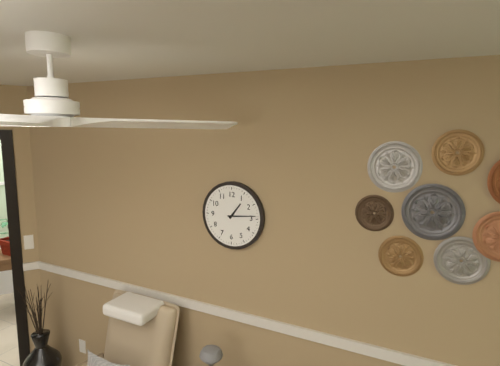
h=1 m=14
